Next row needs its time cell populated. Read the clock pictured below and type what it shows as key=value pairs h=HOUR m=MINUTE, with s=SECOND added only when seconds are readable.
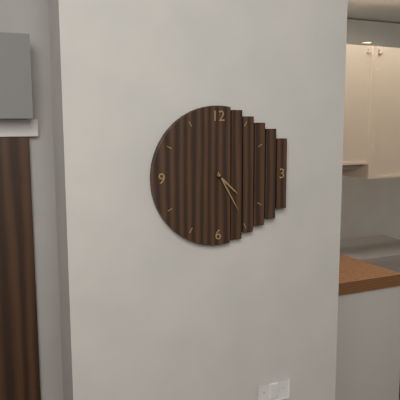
h=4 m=25
